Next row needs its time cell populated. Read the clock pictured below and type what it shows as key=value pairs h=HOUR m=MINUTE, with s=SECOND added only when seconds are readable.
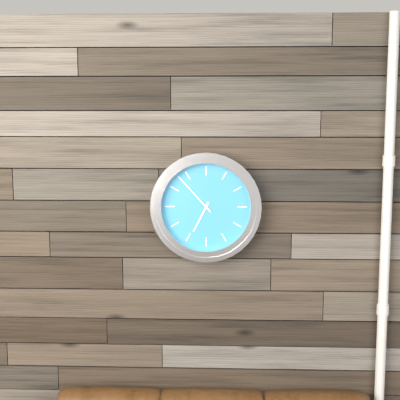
h=6 m=53
